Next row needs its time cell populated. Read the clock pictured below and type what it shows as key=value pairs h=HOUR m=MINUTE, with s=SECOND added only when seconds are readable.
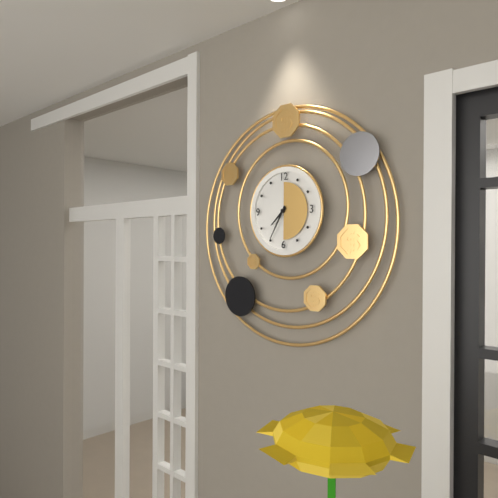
h=7 m=35
